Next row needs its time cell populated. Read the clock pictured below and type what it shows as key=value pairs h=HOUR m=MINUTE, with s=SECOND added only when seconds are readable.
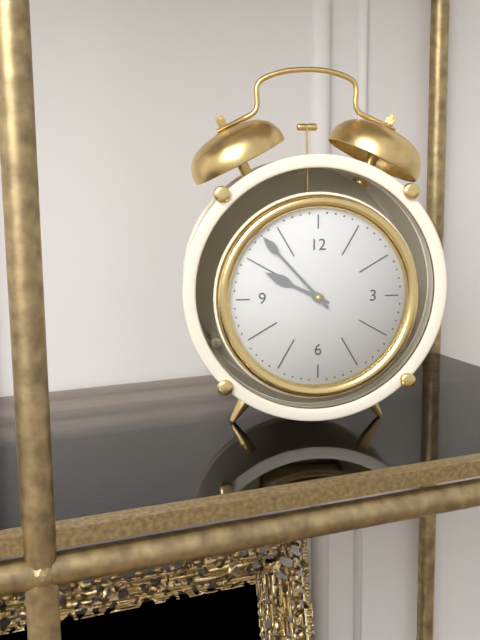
h=9 m=53
